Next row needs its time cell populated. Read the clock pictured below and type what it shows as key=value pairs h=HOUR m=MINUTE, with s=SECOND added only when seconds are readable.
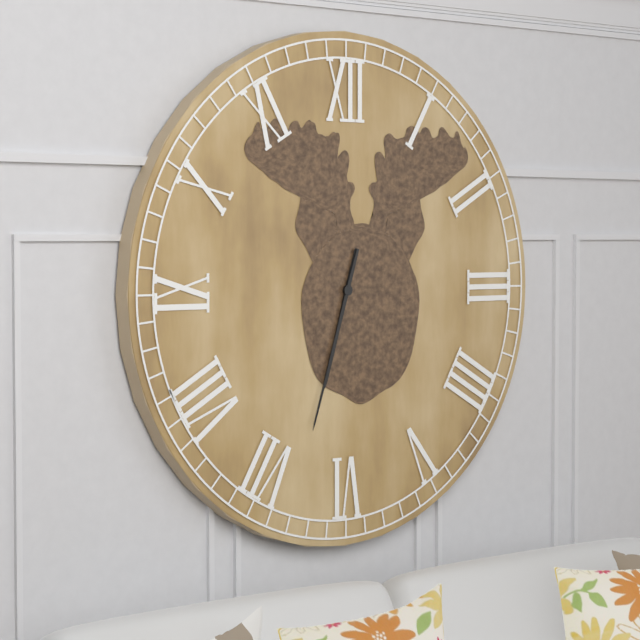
h=6 m=33
